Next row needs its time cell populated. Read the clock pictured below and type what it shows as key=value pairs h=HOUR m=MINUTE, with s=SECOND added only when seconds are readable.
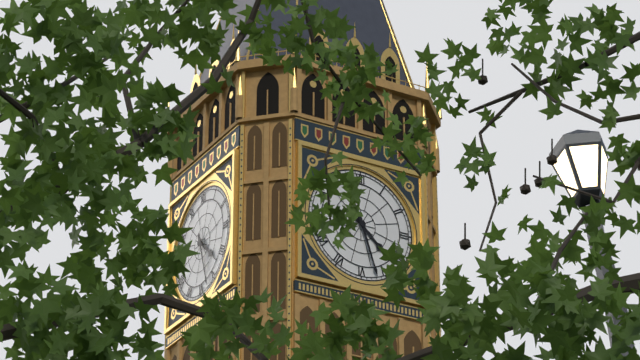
h=4 m=27
